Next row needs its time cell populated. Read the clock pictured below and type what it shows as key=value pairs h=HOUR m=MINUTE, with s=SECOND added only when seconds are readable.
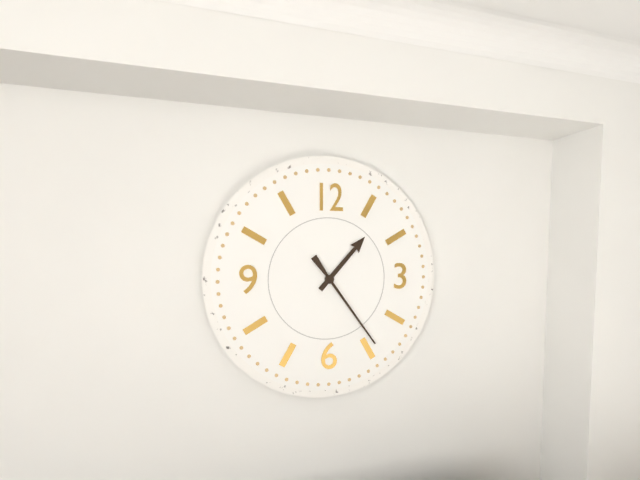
h=1 m=24
